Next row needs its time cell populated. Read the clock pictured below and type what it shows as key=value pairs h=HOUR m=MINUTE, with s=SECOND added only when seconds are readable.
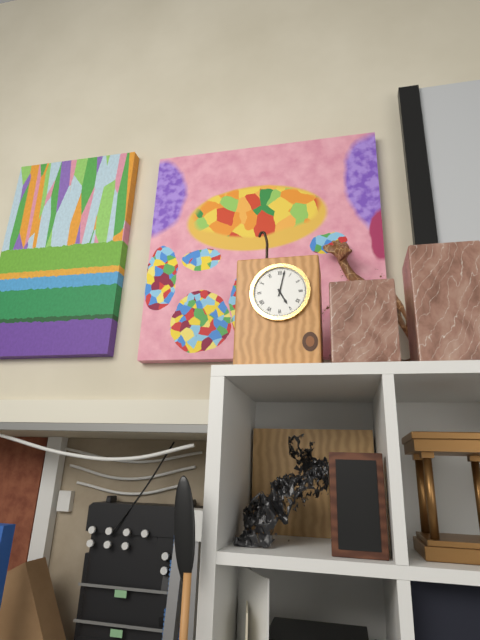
h=5 m=2
